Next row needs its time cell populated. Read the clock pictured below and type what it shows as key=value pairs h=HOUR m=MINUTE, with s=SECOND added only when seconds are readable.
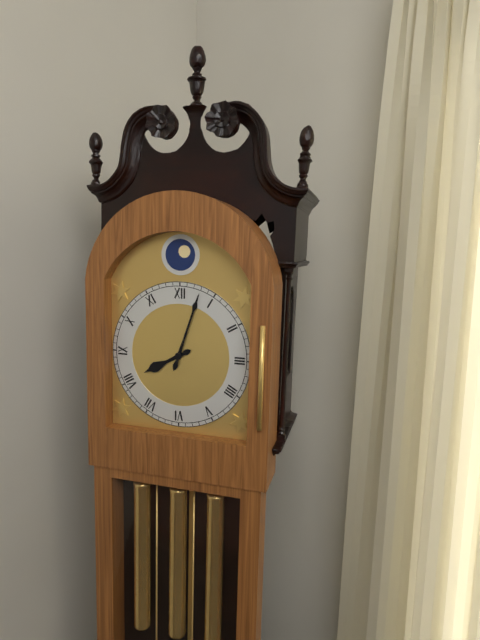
h=8 m=3
